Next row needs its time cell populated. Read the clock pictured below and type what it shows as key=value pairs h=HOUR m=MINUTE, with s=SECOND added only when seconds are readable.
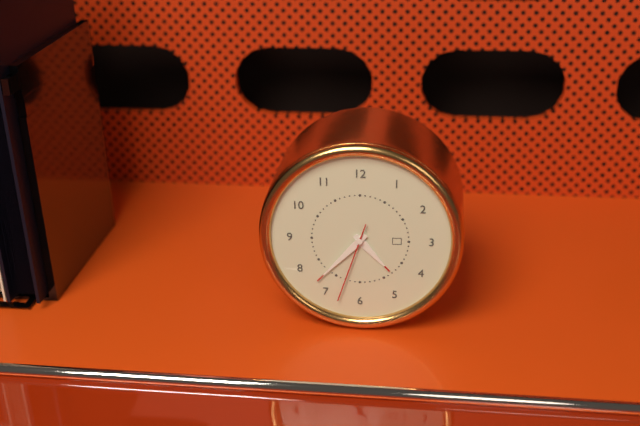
h=4 m=37 s=33
